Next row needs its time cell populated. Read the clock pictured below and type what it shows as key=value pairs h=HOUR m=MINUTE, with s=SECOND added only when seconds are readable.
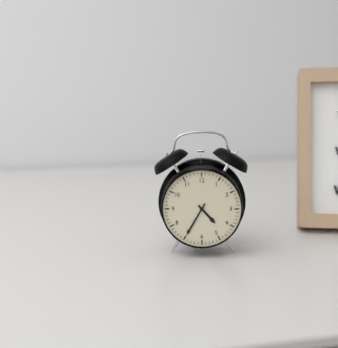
h=4 m=35
